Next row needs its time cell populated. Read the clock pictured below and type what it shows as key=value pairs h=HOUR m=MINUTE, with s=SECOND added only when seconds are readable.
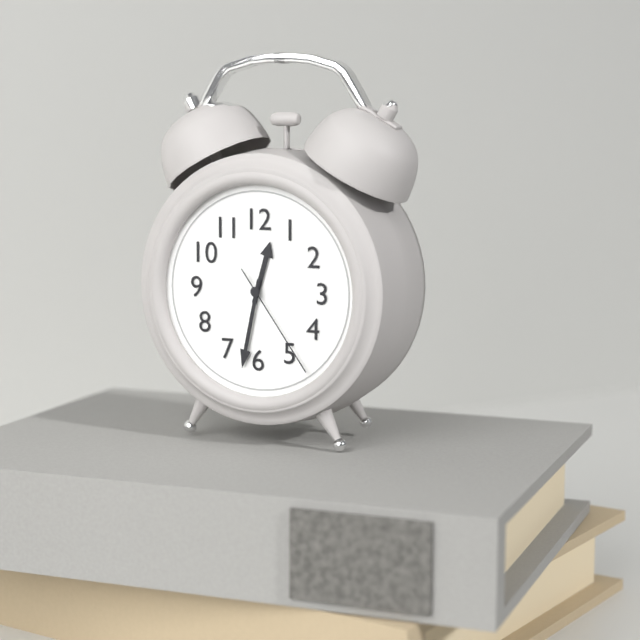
h=12 m=32 s=24
